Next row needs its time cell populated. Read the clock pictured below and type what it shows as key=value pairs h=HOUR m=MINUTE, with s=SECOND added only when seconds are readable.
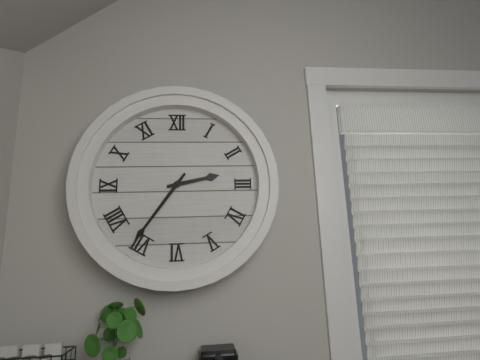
h=2 m=36
